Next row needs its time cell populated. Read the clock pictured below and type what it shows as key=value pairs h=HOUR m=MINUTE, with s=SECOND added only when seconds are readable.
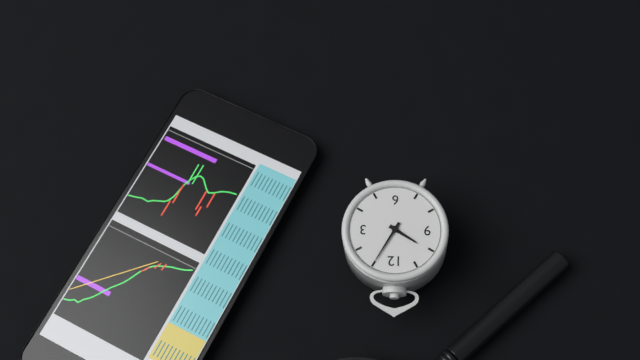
h=10 m=5
